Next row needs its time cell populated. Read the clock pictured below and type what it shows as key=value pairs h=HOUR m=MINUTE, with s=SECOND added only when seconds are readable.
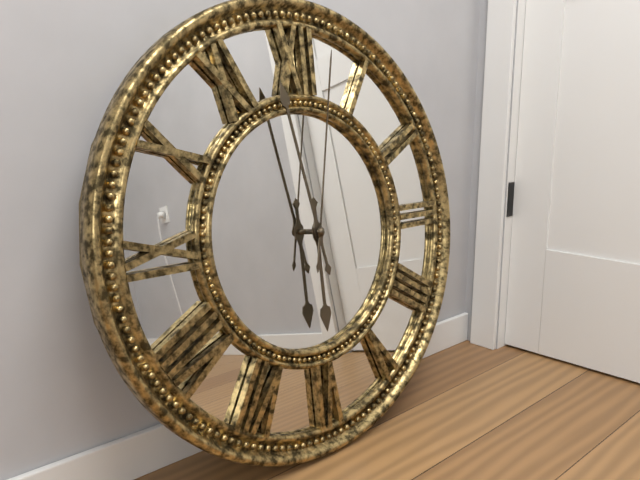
h=5 m=58 s=2
